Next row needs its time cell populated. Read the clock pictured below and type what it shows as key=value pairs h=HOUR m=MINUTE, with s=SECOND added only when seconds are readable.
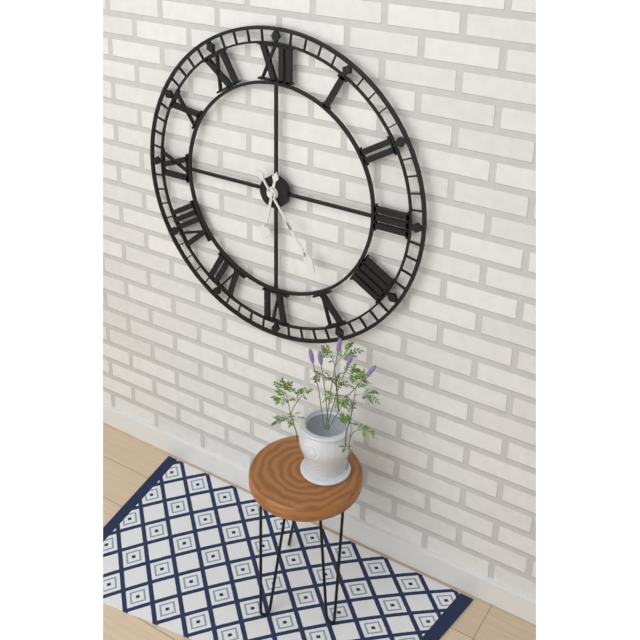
h=6 m=24
